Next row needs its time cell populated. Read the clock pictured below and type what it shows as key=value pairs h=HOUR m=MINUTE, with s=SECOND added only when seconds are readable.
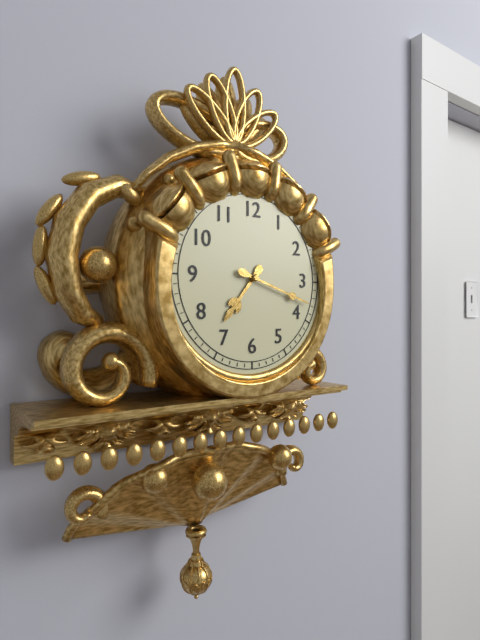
h=7 m=18
